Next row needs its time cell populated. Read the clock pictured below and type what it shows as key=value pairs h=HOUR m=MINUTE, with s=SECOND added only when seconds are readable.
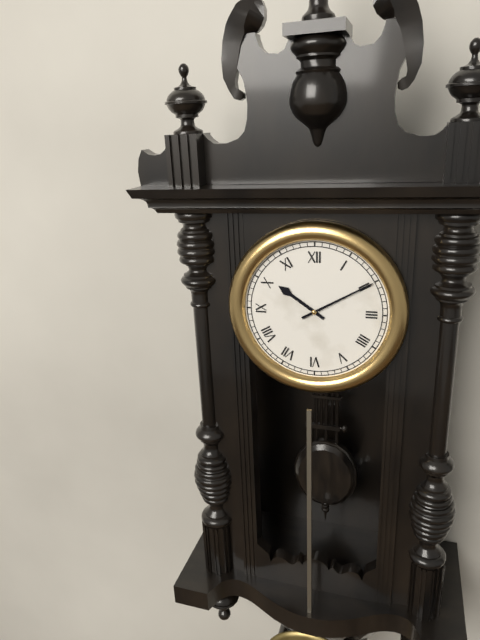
h=10 m=10
